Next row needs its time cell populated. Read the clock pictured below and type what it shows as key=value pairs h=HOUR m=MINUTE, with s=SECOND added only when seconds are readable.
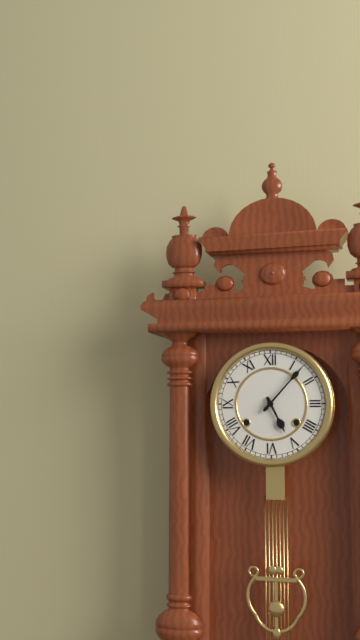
h=5 m=7
